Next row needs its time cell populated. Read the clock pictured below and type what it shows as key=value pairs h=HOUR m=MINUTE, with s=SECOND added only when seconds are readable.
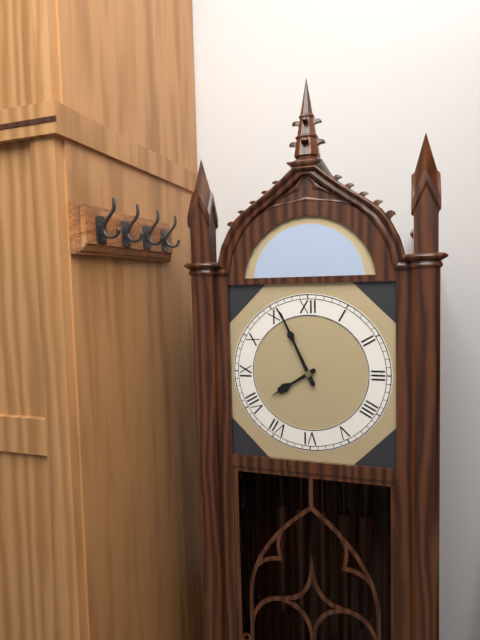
h=7 m=56
